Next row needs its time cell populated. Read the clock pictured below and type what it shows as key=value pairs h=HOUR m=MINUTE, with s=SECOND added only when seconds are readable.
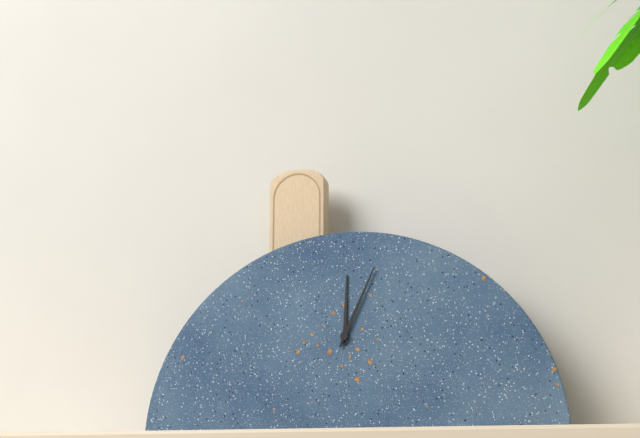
h=12 m=4
